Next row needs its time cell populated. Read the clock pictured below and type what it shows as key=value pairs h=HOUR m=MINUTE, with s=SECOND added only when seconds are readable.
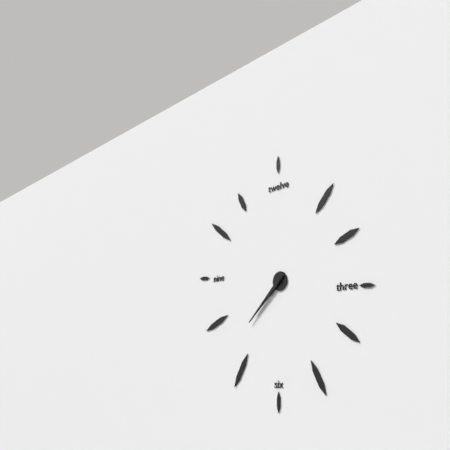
h=7 m=38
